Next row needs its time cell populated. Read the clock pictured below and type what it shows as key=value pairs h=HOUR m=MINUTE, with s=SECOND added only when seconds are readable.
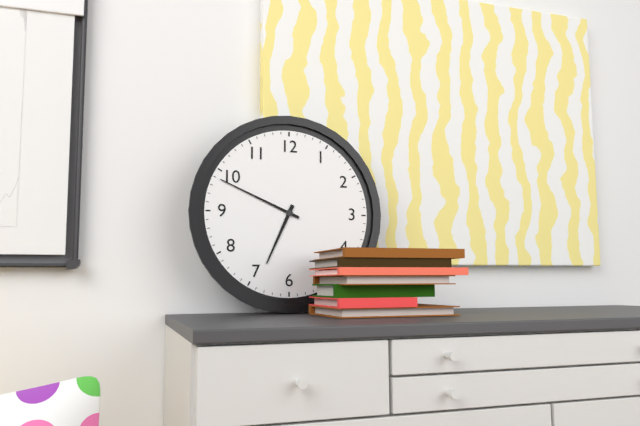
h=6 m=49
